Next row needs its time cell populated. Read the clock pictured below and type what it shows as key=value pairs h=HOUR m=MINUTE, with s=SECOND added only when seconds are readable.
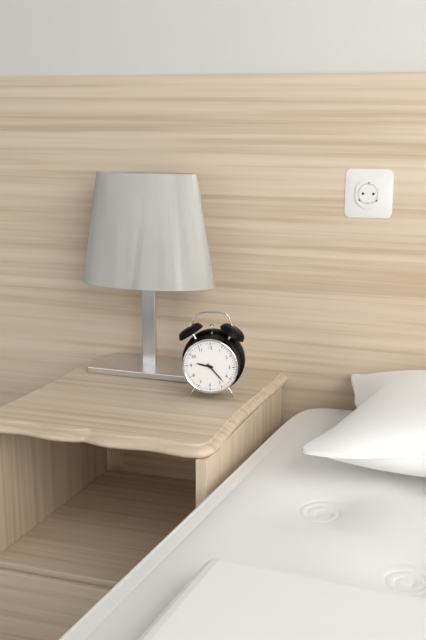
h=9 m=23
